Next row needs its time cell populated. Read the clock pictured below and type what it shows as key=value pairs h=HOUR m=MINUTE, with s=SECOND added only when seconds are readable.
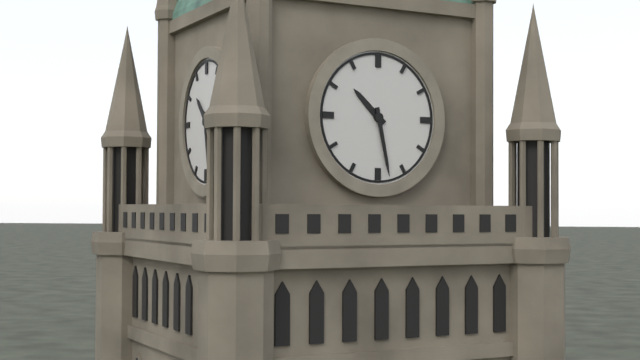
h=10 m=28
